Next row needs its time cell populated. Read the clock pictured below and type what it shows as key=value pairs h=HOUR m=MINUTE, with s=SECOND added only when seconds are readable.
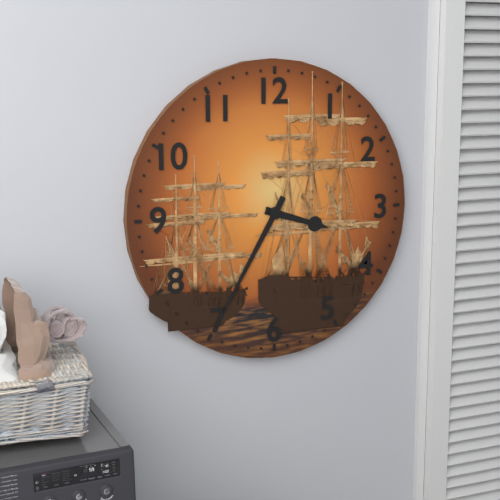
h=3 m=35
